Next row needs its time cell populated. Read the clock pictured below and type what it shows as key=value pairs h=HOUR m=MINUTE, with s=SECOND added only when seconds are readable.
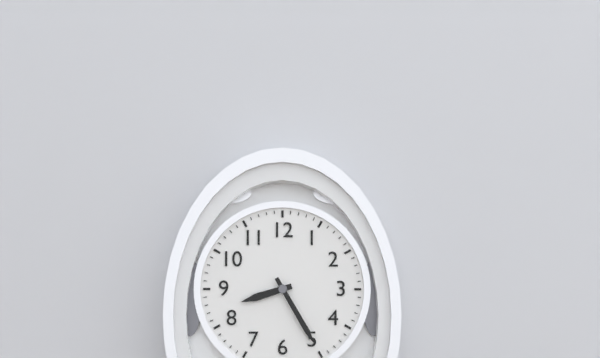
h=8 m=25
